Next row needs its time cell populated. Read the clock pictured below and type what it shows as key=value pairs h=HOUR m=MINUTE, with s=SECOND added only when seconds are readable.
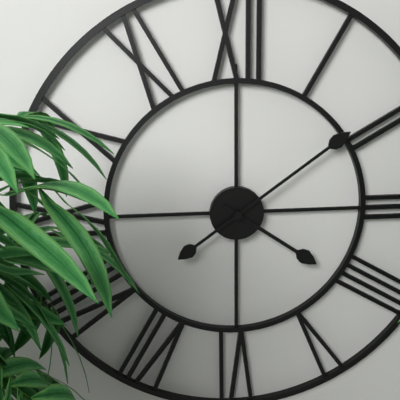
h=4 m=9
